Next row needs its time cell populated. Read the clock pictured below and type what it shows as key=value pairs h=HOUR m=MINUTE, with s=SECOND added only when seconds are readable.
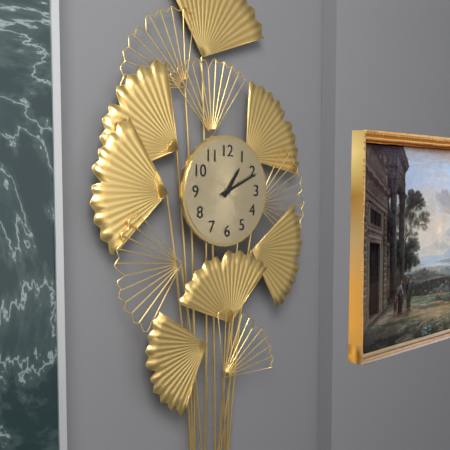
h=1 m=11
